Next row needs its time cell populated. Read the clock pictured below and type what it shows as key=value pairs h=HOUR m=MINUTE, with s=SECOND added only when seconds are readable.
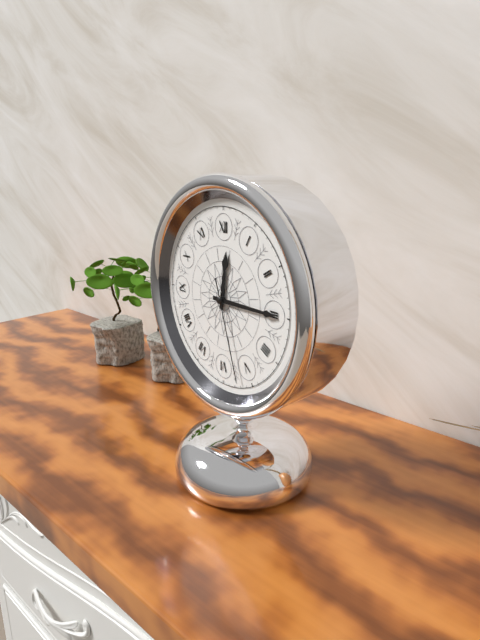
h=12 m=15 s=27
